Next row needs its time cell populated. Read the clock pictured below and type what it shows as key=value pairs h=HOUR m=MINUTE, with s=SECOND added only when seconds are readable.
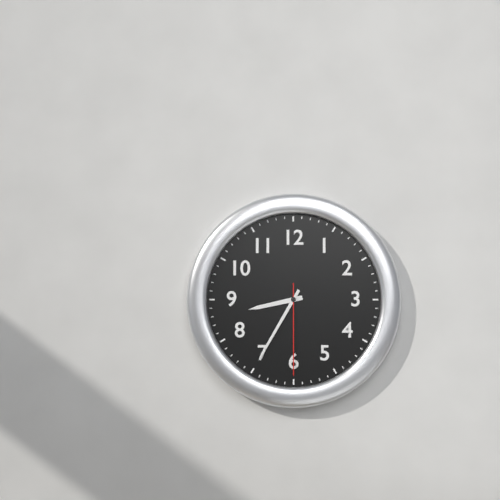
h=8 m=35 s=30
